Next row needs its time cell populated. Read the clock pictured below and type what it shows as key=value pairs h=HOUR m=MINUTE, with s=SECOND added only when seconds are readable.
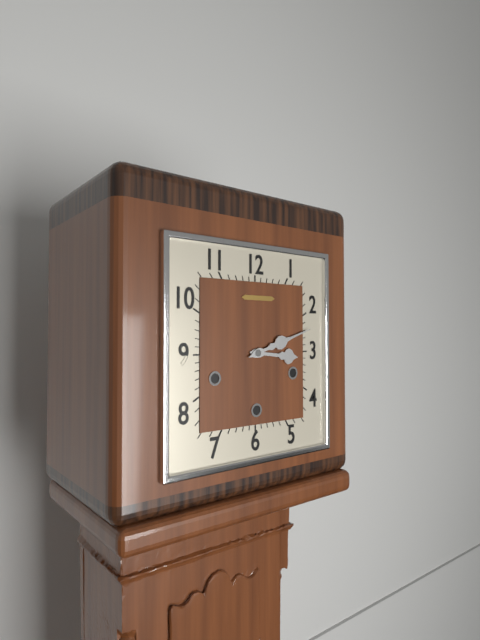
h=3 m=12
